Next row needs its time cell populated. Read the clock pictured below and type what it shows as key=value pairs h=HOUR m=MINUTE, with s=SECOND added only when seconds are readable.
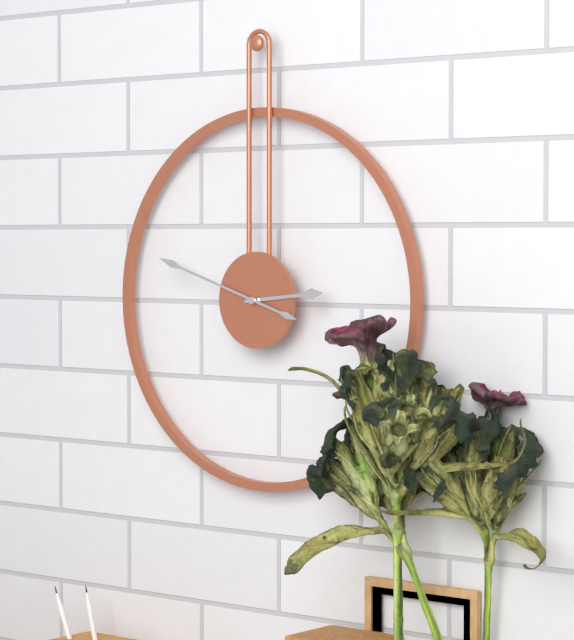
h=2 m=48
